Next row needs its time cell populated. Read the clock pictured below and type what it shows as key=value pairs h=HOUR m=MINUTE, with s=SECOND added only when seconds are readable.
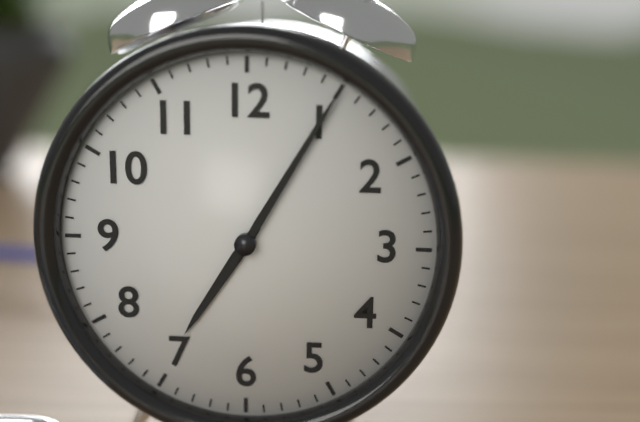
h=7 m=5
